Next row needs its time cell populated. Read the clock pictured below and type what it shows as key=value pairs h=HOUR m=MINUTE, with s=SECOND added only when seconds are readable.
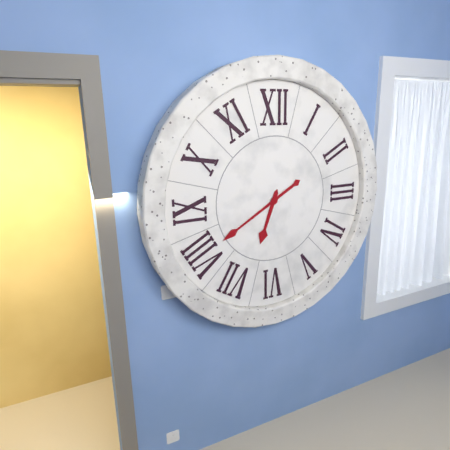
h=6 m=40
